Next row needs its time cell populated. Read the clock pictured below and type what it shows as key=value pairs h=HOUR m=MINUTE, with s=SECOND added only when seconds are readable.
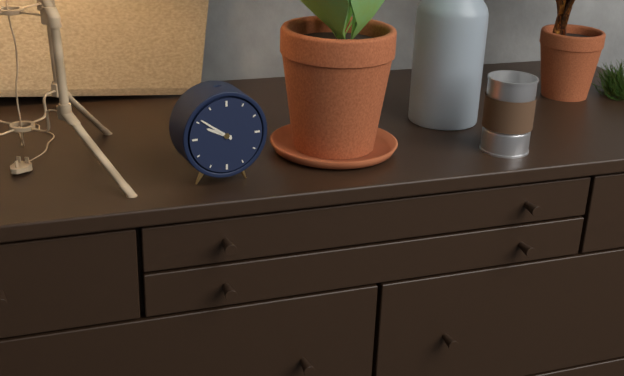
h=9 m=51
